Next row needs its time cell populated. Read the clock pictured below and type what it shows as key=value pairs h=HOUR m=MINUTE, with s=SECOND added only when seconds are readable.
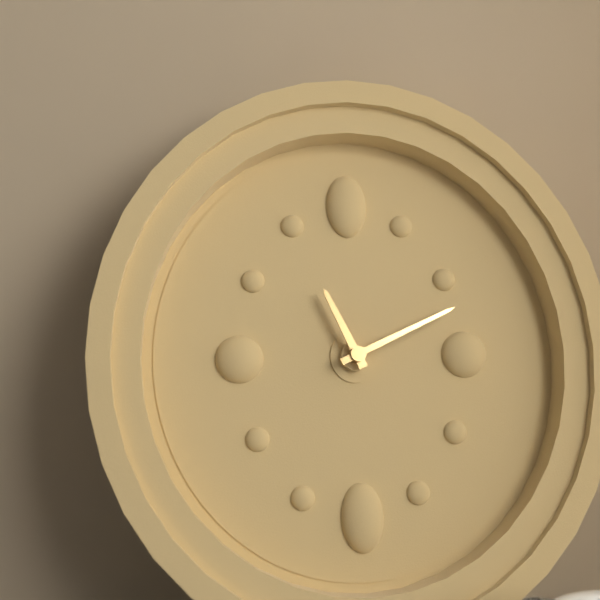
h=11 m=11
